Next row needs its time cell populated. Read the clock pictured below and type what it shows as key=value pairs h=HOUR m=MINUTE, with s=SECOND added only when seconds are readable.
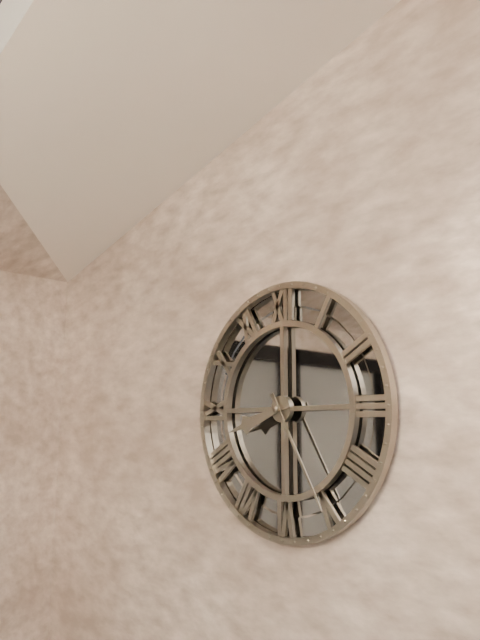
h=8 m=25
